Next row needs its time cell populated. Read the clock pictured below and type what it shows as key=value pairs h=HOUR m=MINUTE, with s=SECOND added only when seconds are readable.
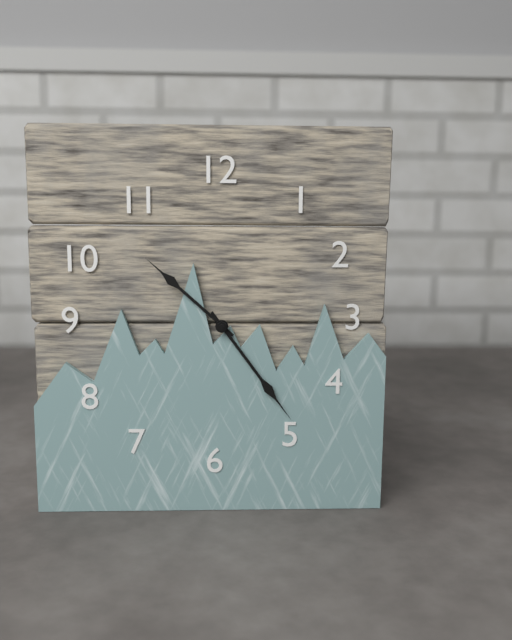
h=10 m=24
